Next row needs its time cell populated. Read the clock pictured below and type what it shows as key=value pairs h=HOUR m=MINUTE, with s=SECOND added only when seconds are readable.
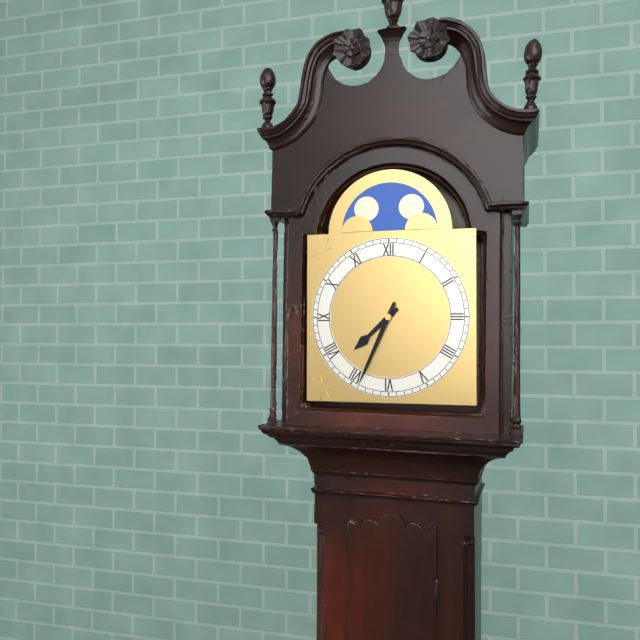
h=7 m=34
